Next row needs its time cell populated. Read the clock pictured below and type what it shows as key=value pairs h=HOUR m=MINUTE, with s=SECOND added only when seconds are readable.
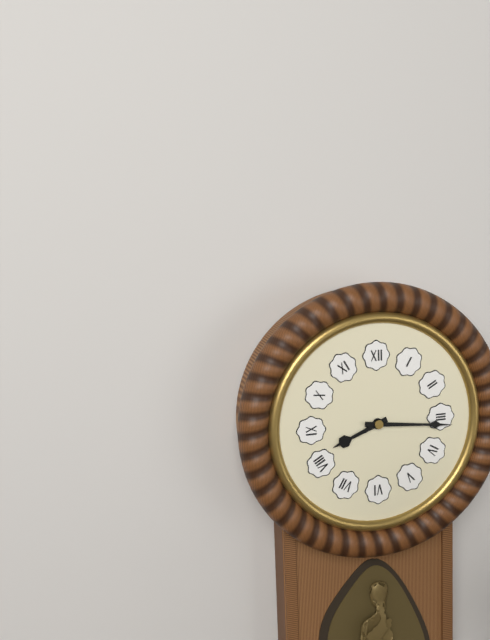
h=8 m=16
